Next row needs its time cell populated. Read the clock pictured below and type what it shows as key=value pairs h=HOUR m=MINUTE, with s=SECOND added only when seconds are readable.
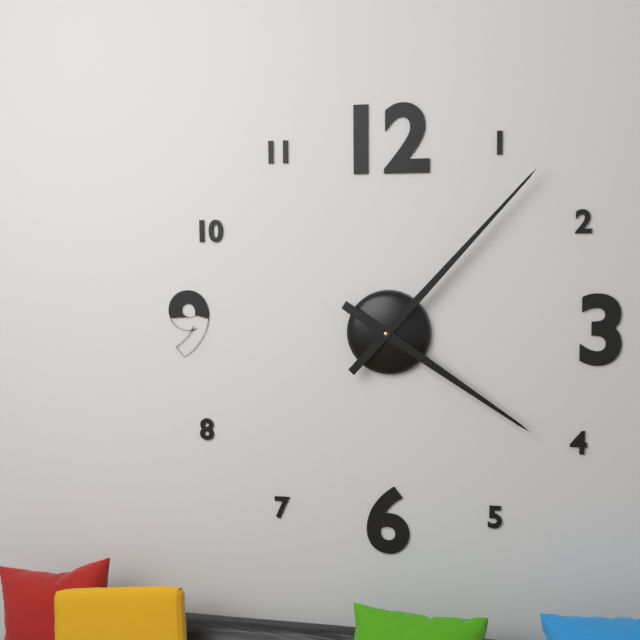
h=4 m=7
